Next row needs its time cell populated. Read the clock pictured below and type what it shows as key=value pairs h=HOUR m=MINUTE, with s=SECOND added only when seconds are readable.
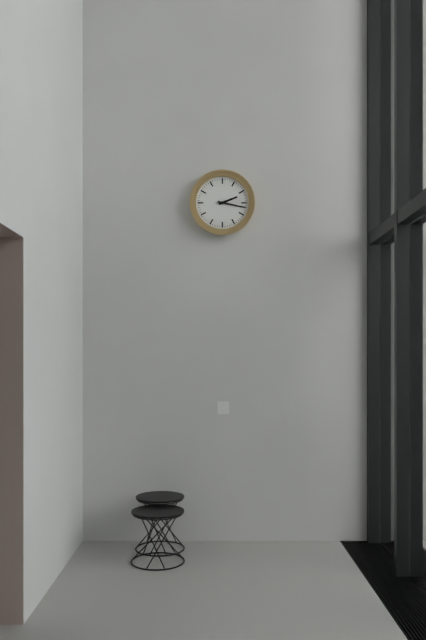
h=2 m=17
